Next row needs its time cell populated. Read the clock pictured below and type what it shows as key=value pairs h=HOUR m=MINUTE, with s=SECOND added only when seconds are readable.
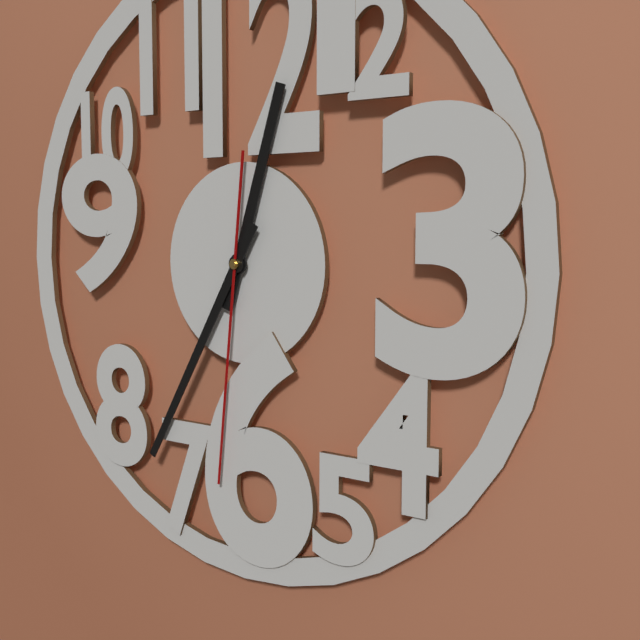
h=12 m=35 s=31
